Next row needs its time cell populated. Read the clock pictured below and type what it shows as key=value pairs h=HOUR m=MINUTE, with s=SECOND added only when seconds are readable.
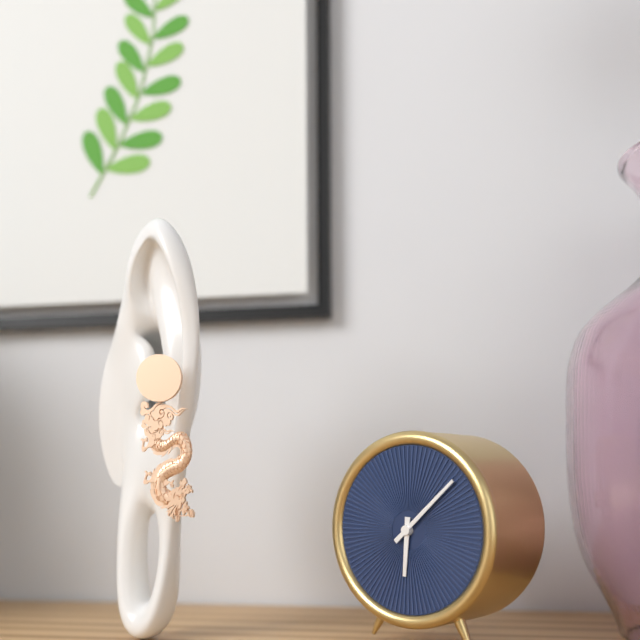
h=6 m=8
